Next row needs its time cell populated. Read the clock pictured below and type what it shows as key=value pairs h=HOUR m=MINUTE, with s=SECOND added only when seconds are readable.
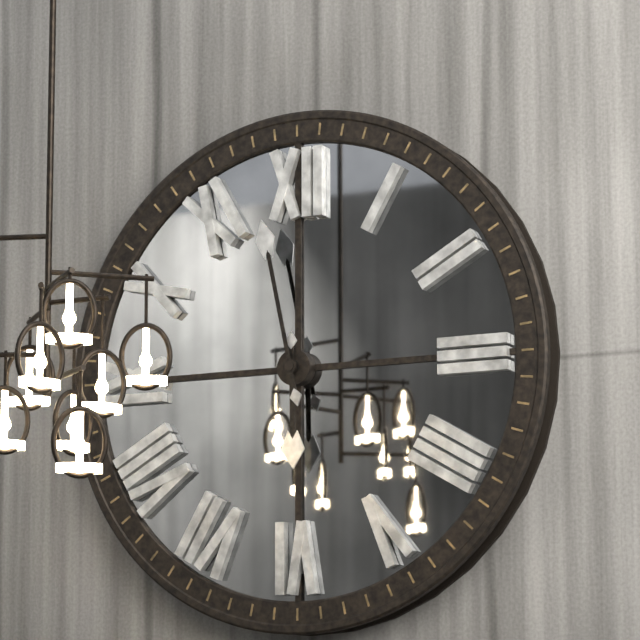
h=5 m=58
